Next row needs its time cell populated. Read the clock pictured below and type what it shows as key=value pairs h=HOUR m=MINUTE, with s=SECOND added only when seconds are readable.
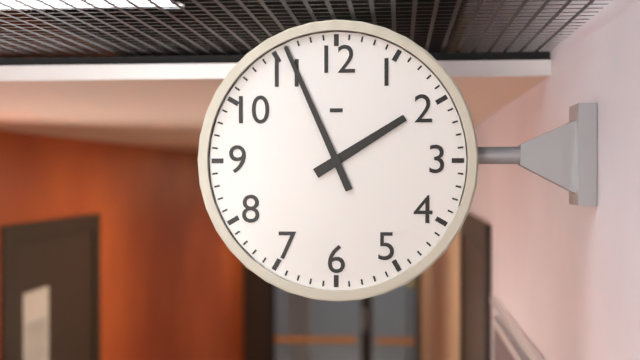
h=1 m=56
